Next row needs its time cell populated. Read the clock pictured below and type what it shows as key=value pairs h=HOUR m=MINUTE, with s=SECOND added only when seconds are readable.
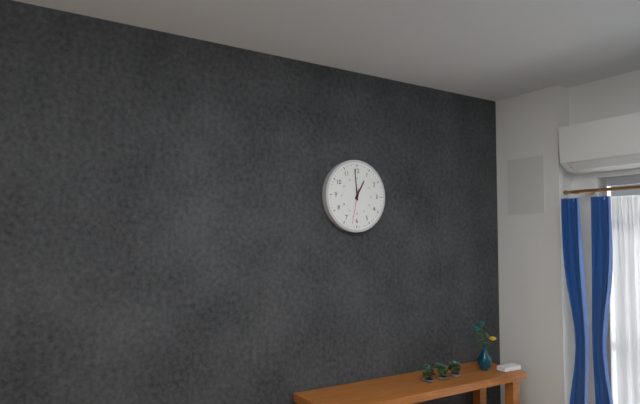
h=12 m=59
